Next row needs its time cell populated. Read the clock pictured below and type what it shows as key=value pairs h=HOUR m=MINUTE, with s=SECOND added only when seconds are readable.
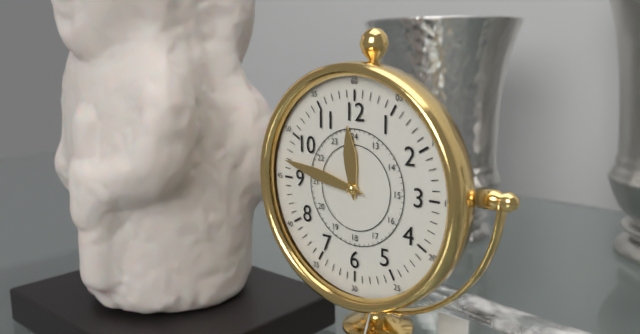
h=11 m=47
